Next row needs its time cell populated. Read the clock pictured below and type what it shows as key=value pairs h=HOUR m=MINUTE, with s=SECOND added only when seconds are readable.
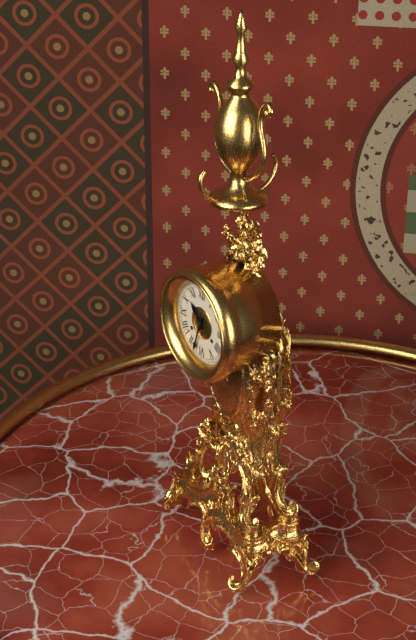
h=10 m=33
